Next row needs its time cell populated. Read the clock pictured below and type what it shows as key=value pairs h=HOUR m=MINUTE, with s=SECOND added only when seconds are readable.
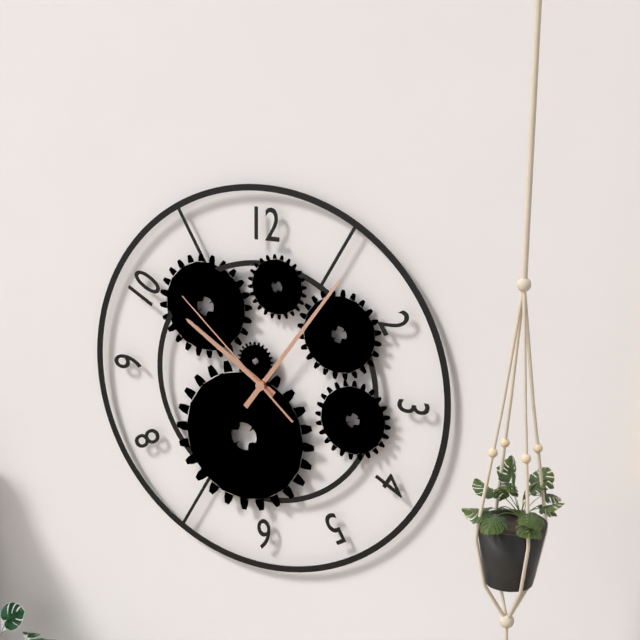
h=10 m=6 s=52
